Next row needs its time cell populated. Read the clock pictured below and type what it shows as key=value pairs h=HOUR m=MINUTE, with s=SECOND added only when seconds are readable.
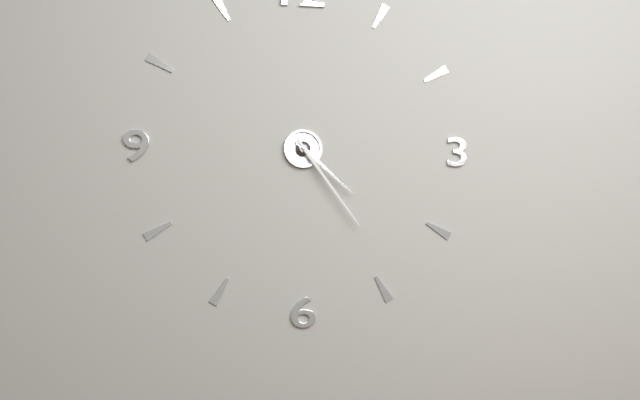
h=4 m=24
